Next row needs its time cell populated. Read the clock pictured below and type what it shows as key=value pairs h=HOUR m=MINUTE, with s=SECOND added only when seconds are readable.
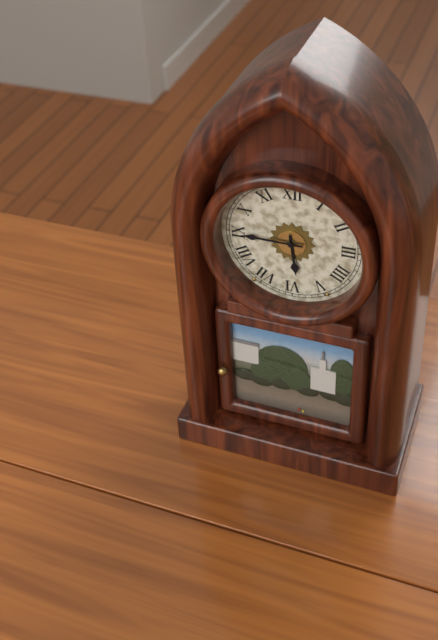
h=5 m=45
